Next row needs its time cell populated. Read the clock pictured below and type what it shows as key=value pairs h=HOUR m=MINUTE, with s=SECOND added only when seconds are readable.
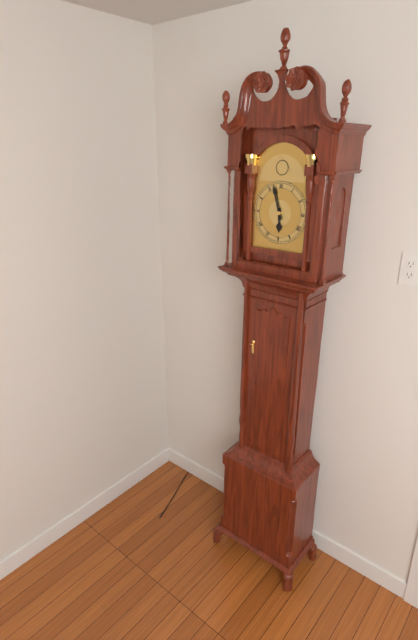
h=5 m=57
